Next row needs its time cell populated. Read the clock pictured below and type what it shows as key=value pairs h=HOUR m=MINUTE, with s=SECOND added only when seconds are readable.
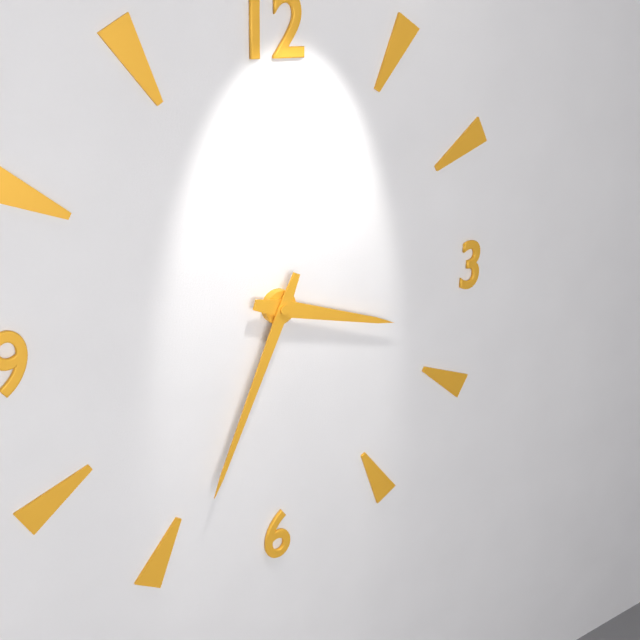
h=3 m=34
